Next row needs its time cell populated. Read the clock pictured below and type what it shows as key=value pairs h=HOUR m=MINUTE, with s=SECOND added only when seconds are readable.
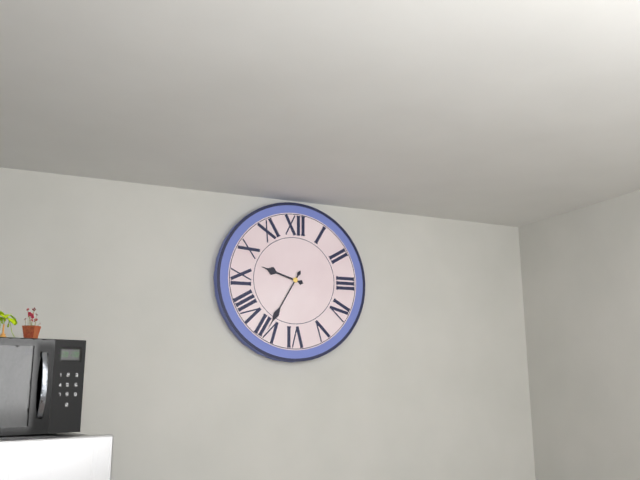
h=9 m=35
